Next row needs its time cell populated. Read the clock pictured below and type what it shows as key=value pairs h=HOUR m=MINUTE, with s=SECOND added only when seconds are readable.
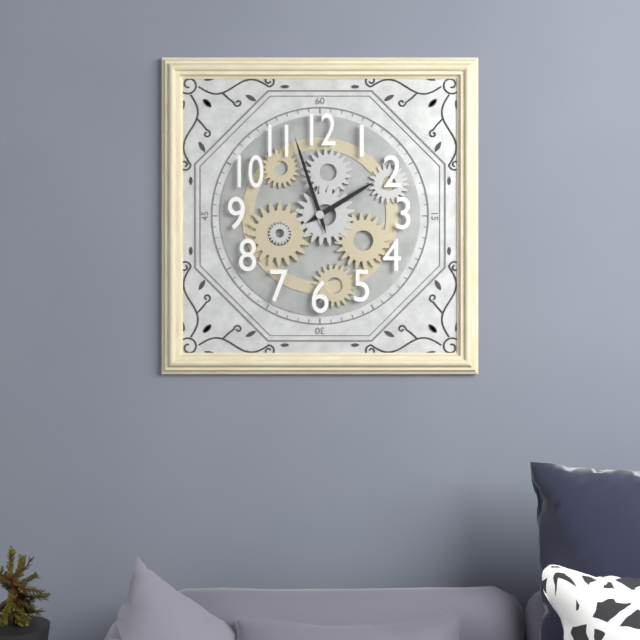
h=1 m=57
